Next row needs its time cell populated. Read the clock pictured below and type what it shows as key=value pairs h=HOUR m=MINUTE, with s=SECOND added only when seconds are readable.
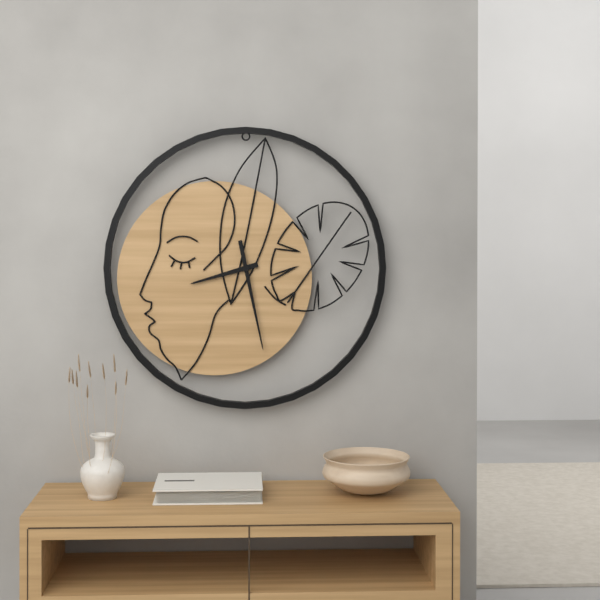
h=8 m=28
